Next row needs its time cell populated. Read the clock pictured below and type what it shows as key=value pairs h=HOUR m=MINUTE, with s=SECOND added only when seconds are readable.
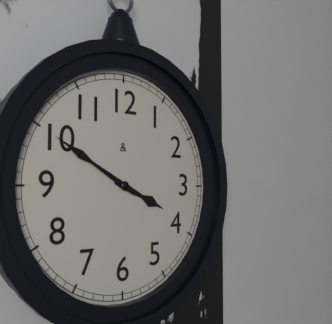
h=3 m=50
